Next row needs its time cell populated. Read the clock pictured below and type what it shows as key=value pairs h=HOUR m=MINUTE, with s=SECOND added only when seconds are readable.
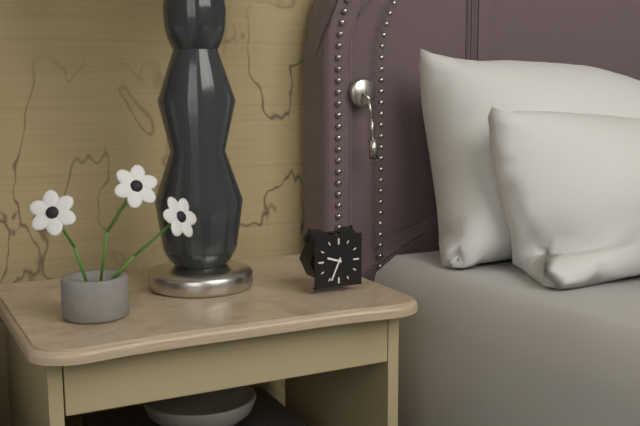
h=9 m=34
